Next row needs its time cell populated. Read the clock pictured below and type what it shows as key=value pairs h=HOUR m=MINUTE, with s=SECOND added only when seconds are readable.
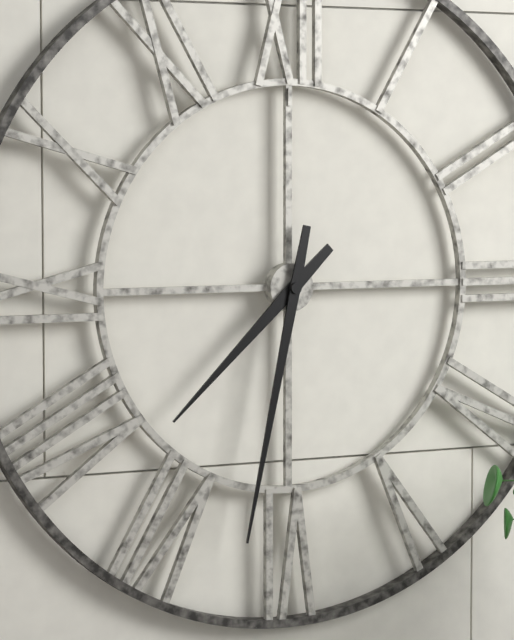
h=7 m=32
